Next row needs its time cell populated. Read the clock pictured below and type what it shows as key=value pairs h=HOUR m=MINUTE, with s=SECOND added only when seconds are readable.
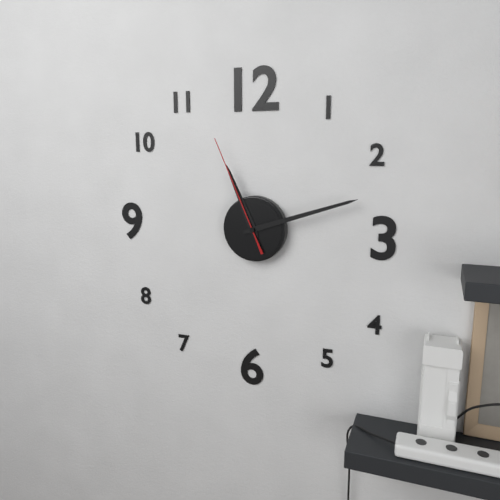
h=11 m=12 s=56
